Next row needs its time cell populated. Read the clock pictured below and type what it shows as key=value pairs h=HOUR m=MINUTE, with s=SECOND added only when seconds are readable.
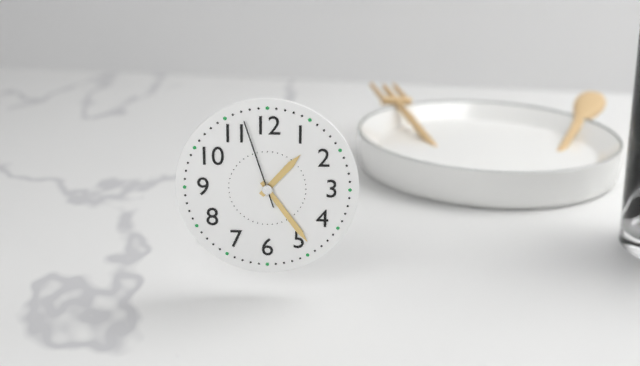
h=1 m=24 s=57
